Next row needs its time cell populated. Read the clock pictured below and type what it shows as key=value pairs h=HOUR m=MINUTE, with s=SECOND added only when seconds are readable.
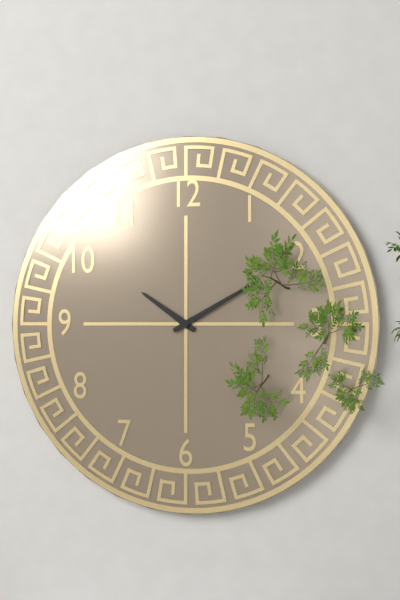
h=10 m=10
